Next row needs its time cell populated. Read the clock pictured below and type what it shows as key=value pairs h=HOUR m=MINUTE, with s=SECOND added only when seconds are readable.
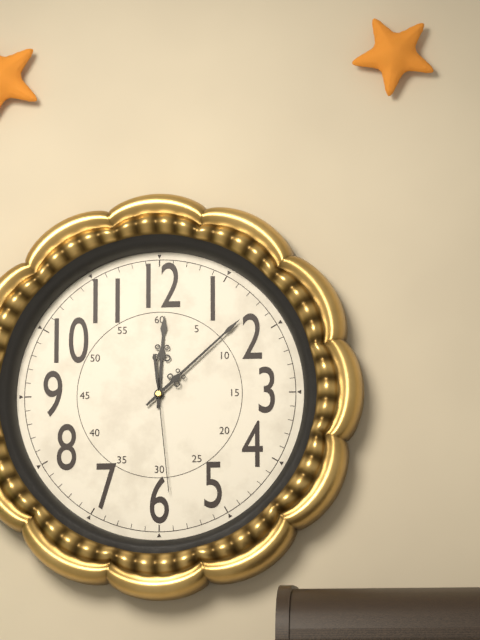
h=12 m=8 s=29
